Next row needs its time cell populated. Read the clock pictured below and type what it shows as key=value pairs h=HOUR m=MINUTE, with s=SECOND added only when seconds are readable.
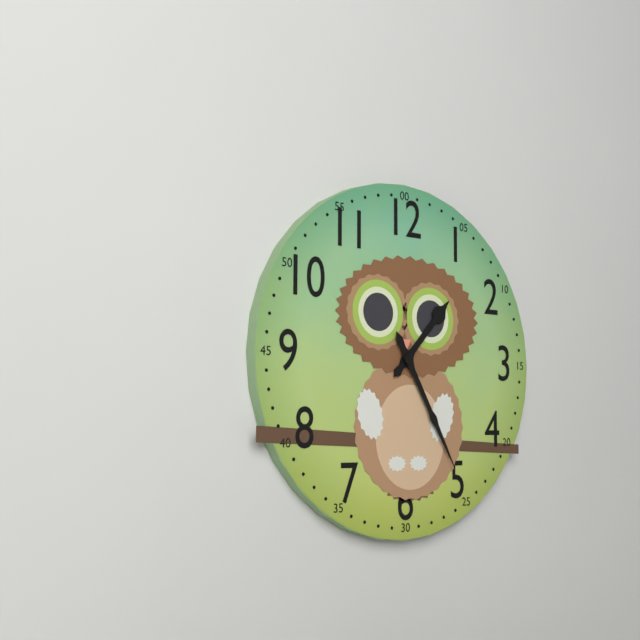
h=1 m=25
